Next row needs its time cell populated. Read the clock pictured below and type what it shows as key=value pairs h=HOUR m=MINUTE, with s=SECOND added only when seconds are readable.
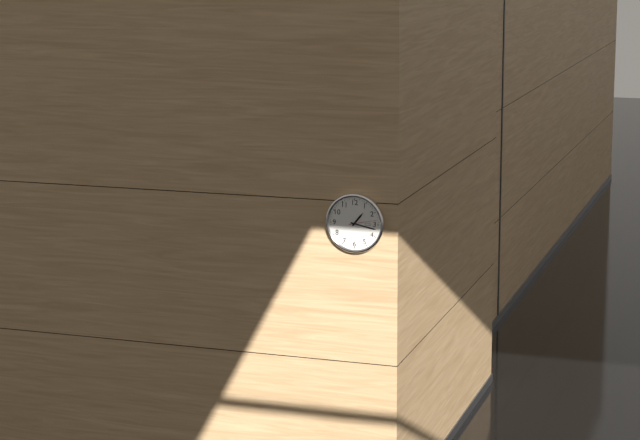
h=1 m=17
